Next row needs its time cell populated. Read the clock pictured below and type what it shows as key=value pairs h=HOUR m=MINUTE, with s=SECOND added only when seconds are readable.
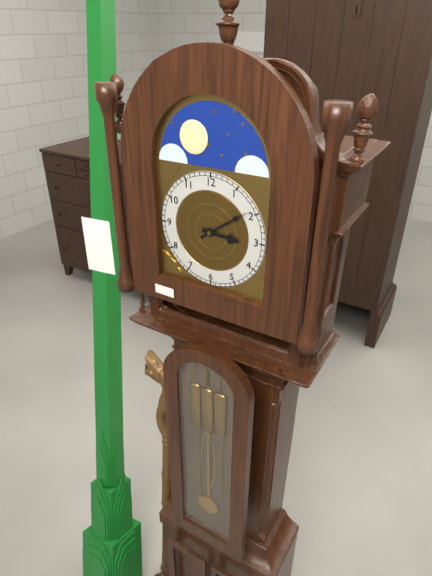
h=3 m=9
